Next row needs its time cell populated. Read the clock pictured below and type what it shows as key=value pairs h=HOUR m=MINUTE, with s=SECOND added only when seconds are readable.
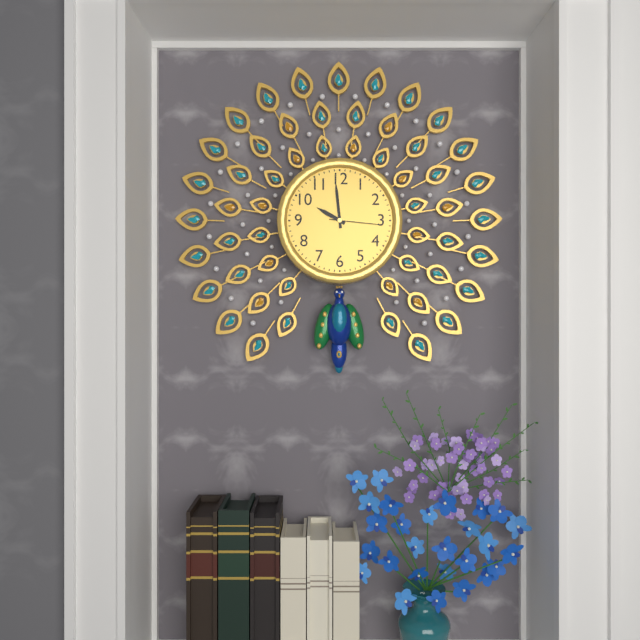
h=9 m=59 s=16
